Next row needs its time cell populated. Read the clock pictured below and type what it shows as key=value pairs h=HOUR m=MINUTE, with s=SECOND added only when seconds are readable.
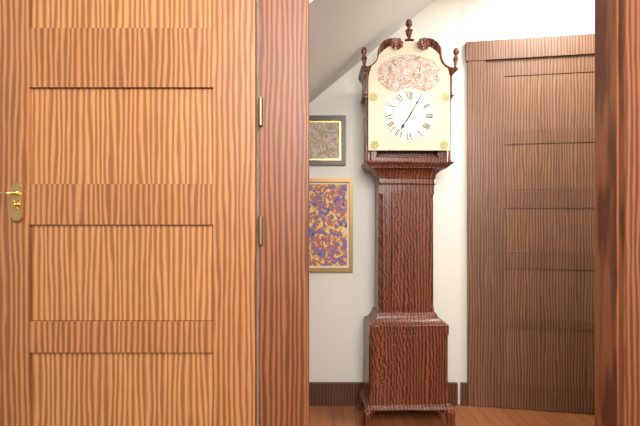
h=7 m=5
